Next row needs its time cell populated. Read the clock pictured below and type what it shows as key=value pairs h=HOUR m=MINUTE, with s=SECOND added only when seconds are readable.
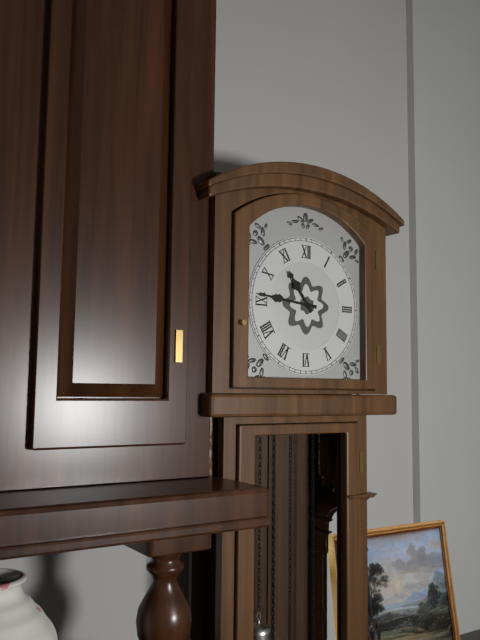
h=10 m=46
